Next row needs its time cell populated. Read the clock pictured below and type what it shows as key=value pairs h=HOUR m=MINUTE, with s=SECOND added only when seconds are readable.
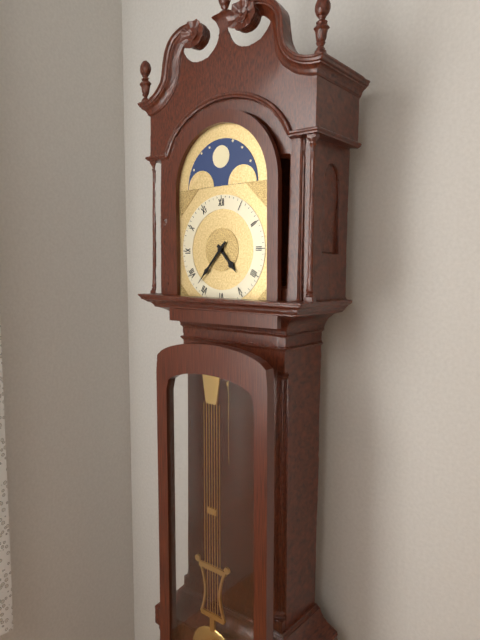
h=4 m=37
